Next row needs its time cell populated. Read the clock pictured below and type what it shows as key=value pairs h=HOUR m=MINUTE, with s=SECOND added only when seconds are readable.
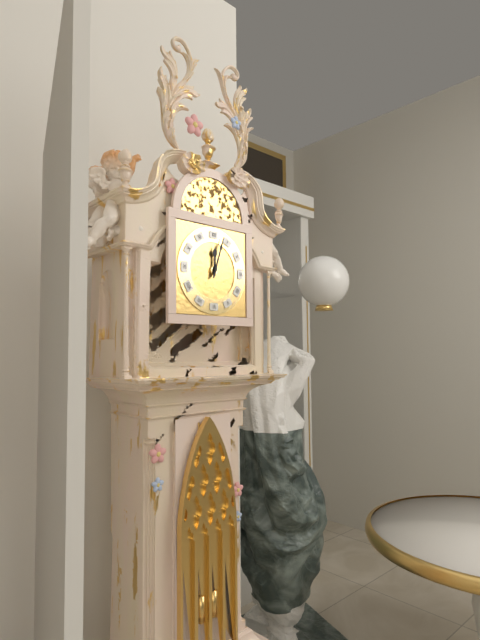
h=12 m=3
